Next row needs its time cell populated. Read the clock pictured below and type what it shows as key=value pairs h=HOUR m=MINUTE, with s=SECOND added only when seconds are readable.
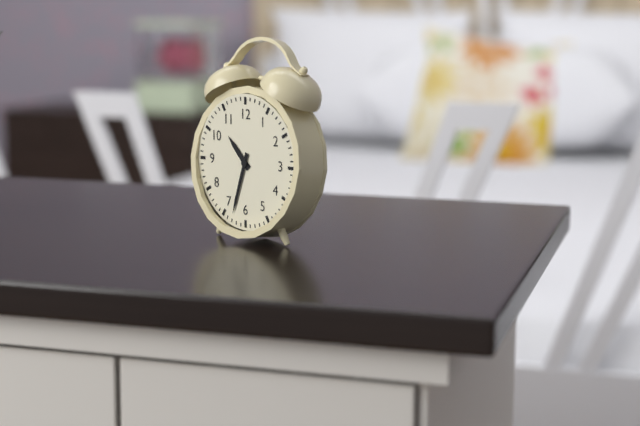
h=10 m=33
